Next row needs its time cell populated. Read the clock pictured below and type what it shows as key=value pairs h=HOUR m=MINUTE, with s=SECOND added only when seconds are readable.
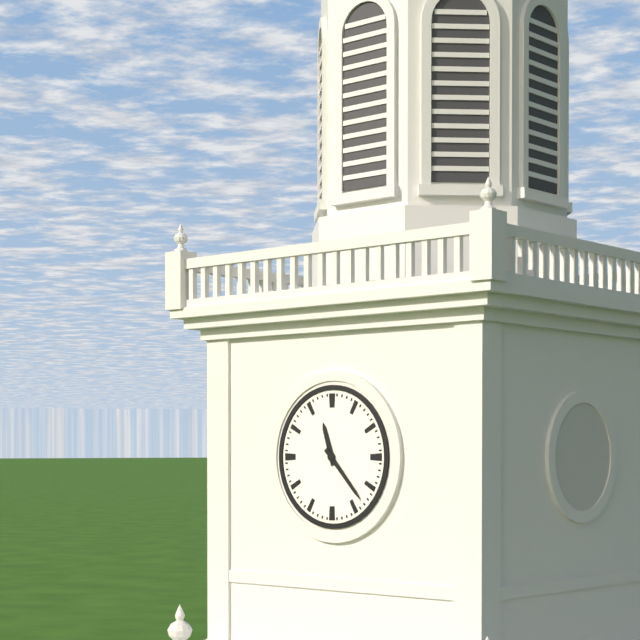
h=11 m=23
